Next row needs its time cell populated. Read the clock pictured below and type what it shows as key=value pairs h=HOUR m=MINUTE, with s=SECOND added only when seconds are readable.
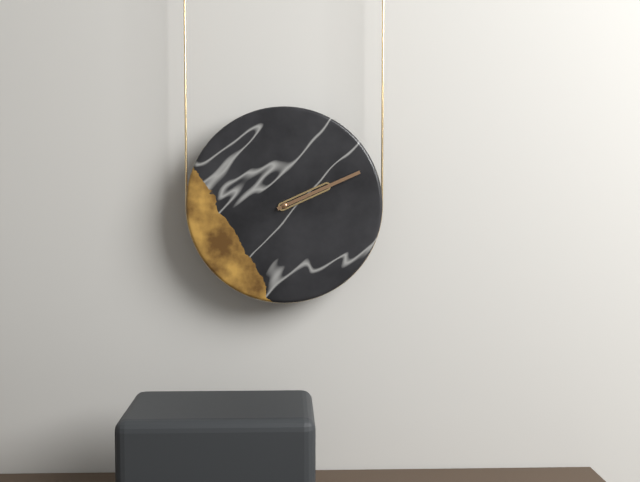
h=2 m=11
